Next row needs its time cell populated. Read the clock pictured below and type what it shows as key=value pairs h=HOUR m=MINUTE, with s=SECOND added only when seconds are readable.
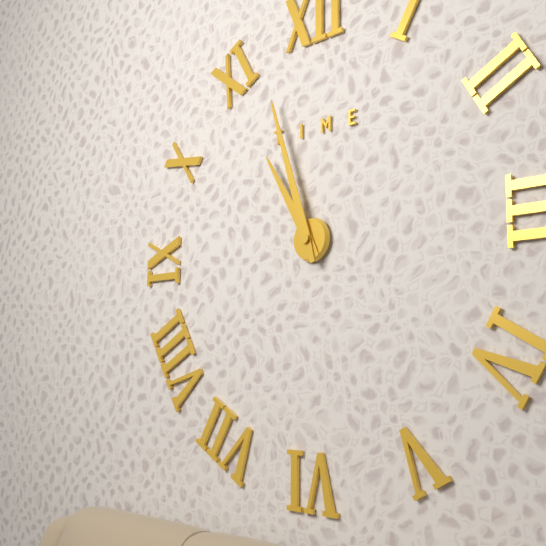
h=10 m=57
